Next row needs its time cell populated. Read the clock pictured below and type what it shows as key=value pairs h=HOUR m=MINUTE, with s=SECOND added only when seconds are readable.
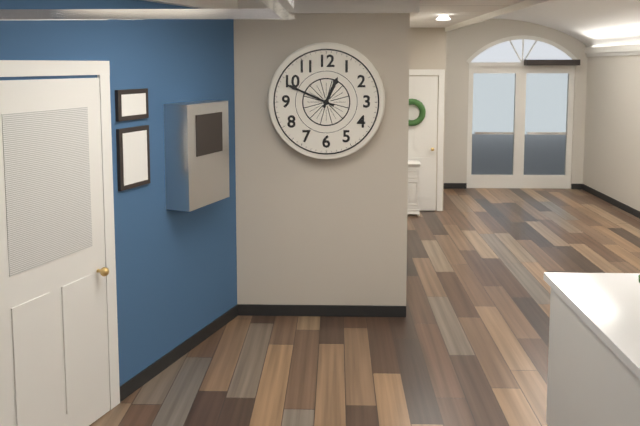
h=12 m=49
